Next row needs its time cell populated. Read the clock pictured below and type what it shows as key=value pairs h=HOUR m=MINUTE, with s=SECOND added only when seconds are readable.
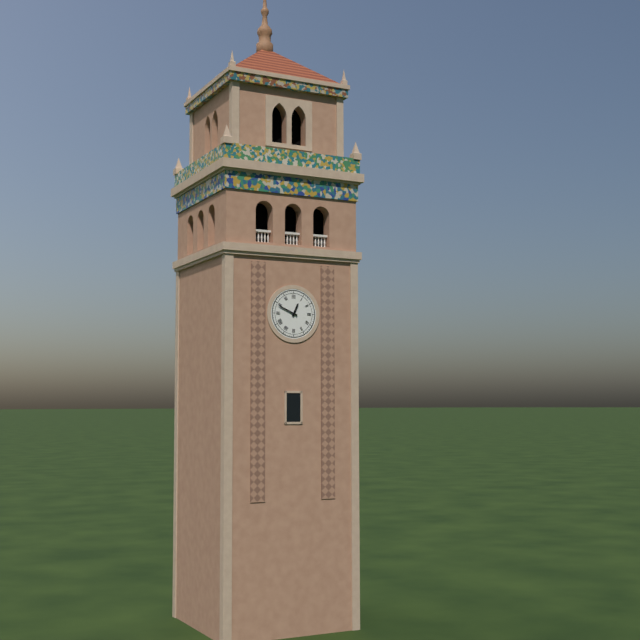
h=12 m=49
